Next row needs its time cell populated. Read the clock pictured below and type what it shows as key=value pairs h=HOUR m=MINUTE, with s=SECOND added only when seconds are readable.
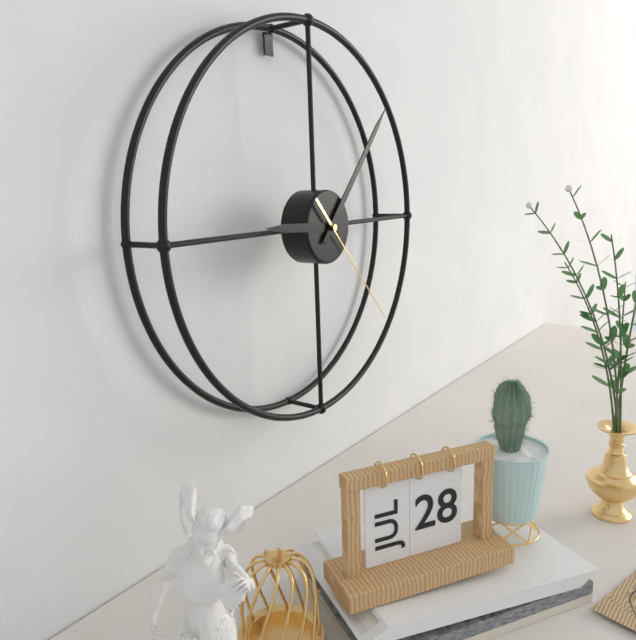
h=9 m=7 s=23
